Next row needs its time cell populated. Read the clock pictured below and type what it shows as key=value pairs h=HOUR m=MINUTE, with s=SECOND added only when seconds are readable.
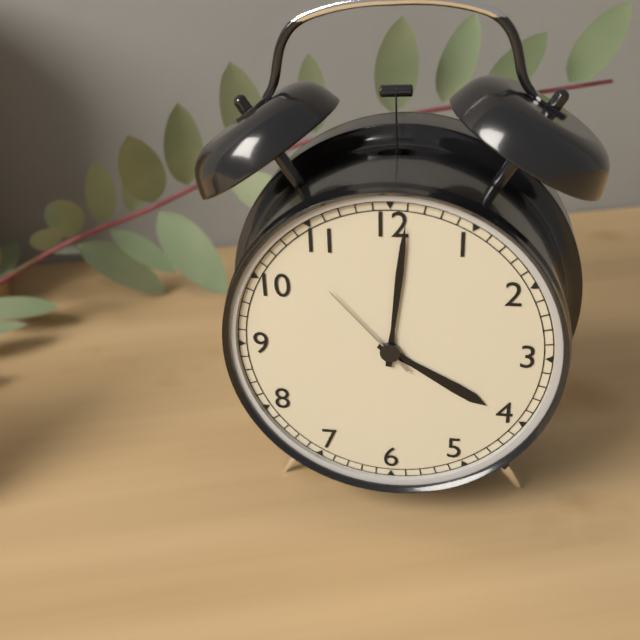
h=4 m=1 s=53
